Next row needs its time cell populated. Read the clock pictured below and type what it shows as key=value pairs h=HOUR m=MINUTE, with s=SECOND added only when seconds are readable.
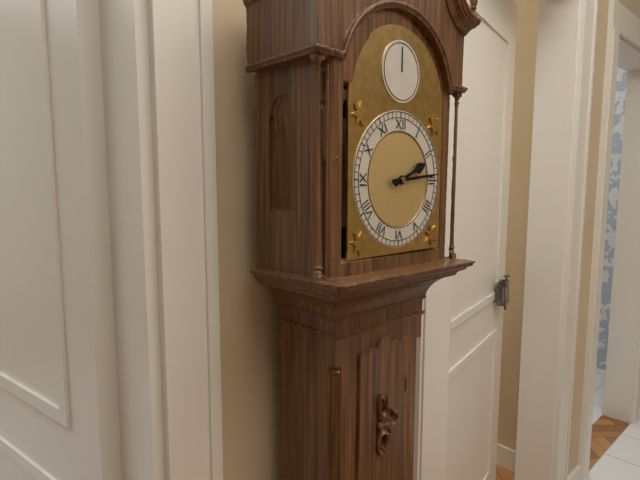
h=2 m=14
